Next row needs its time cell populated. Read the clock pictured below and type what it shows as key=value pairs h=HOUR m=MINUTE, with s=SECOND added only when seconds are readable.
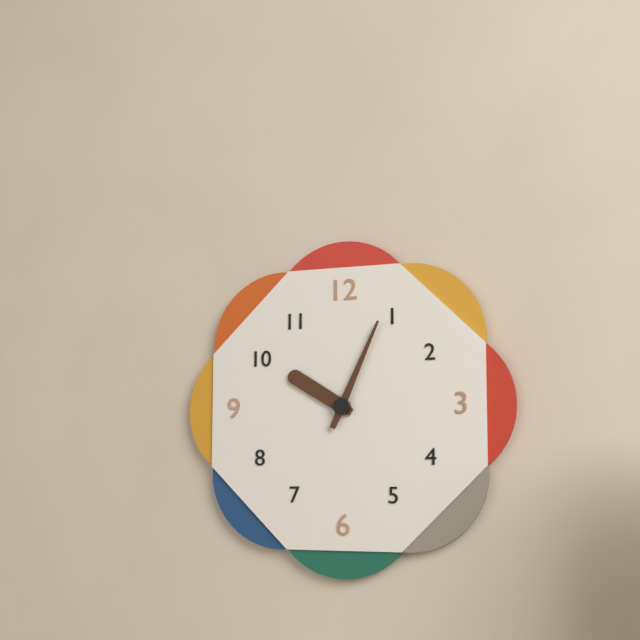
h=10 m=4
